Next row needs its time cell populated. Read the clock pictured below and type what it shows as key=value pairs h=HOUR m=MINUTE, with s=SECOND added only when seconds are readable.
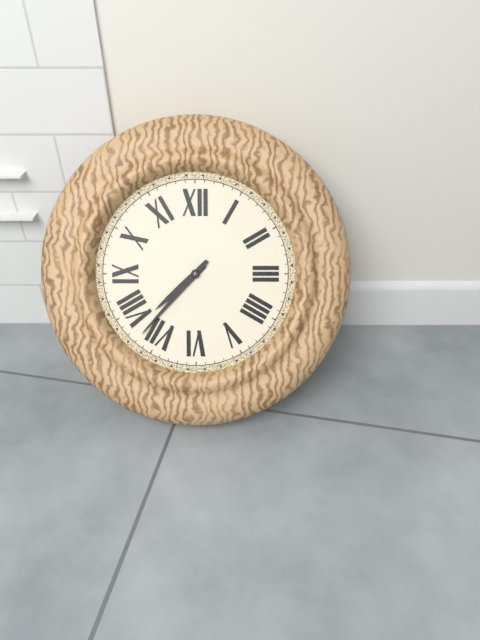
h=7 m=37
